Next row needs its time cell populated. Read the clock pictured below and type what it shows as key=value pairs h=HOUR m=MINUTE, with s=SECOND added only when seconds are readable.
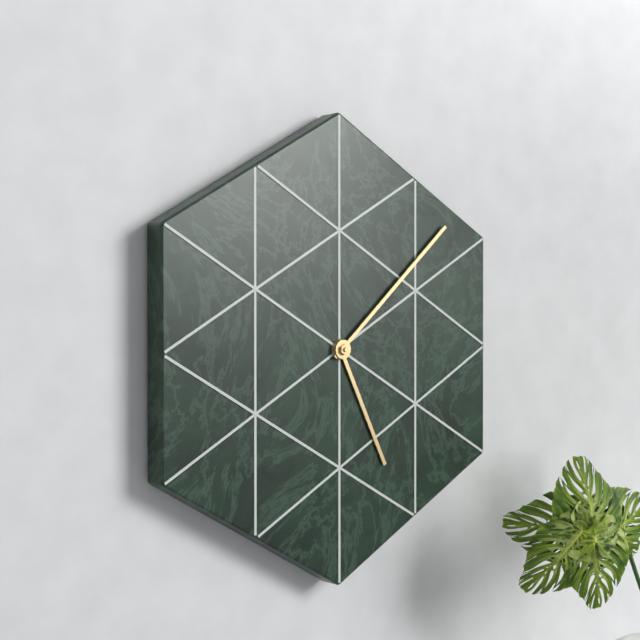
h=5 m=8
